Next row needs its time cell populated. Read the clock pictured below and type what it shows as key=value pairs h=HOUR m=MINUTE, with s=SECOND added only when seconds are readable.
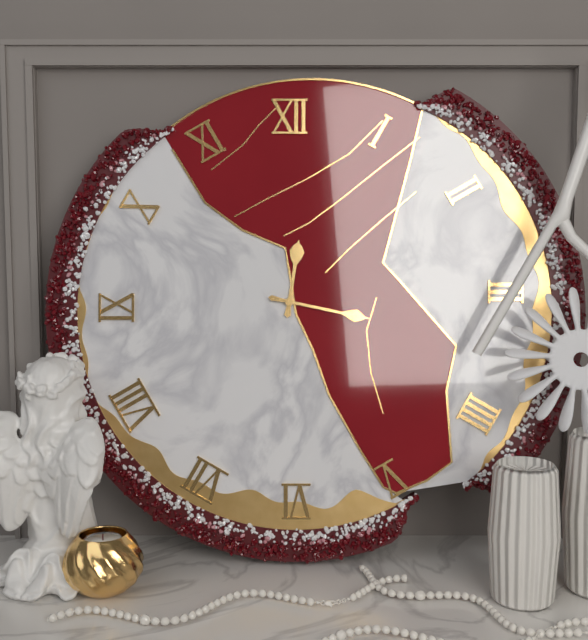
h=12 m=17
